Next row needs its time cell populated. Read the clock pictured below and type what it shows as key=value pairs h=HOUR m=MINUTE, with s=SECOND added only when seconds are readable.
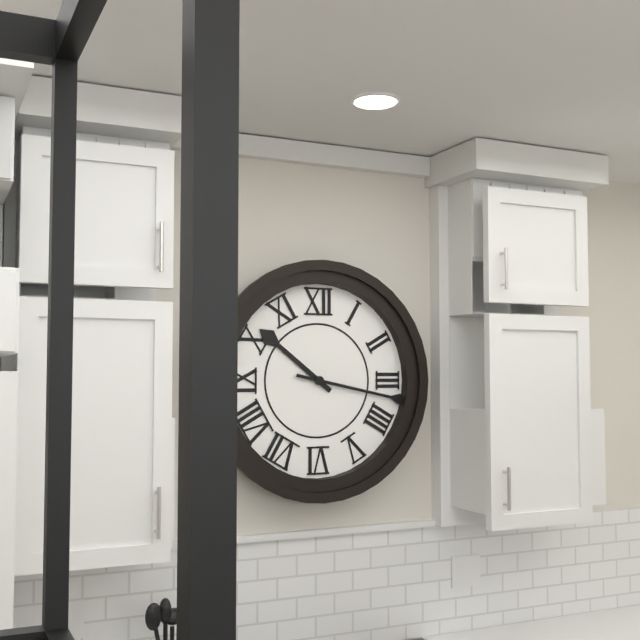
h=10 m=17
